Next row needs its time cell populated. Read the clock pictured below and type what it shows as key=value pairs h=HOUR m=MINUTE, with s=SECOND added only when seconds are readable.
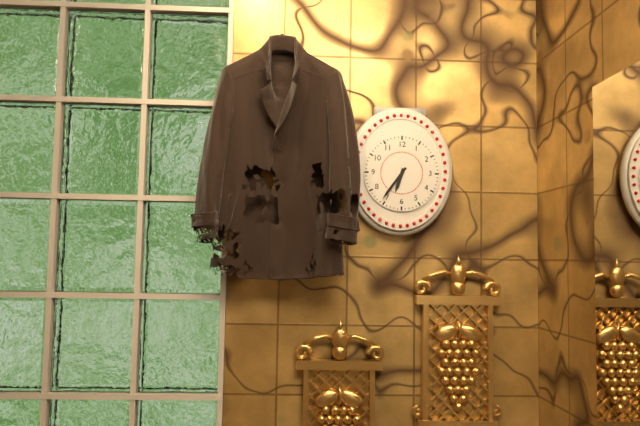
h=6 m=36
